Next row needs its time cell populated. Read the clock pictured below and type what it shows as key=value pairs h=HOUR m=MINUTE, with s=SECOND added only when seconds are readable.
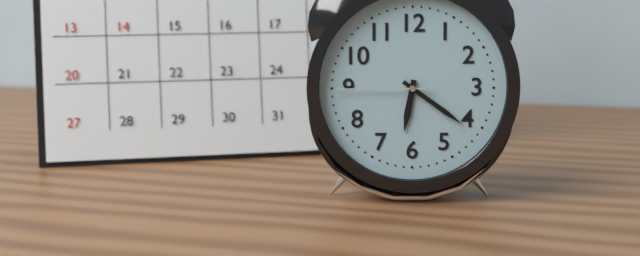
h=6 m=21 s=45
